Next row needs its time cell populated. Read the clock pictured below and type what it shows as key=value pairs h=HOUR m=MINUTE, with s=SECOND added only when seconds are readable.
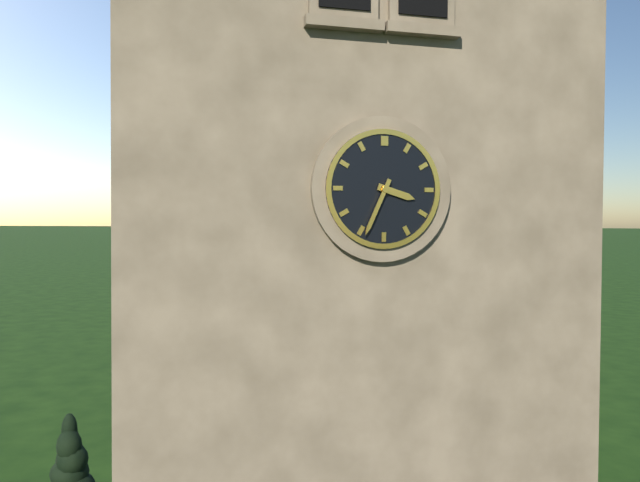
h=3 m=34
